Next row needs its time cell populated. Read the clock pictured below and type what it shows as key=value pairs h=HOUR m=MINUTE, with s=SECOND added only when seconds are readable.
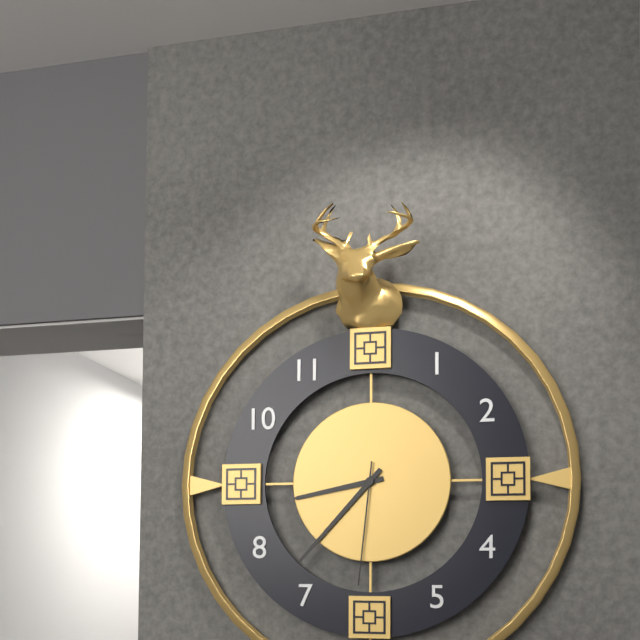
h=8 m=37 s=31
